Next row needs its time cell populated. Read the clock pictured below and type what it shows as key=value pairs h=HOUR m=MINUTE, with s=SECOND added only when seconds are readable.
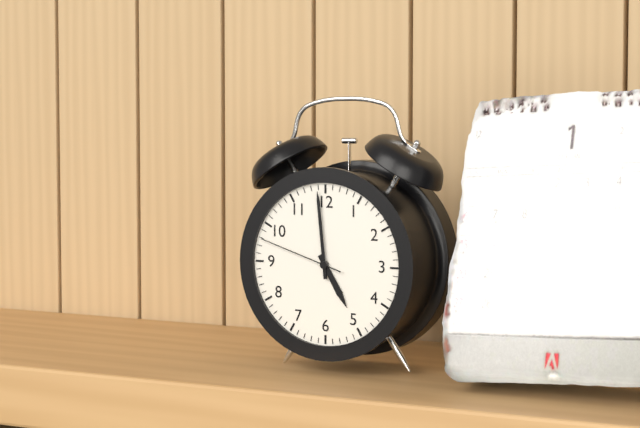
h=4 m=59 s=48
